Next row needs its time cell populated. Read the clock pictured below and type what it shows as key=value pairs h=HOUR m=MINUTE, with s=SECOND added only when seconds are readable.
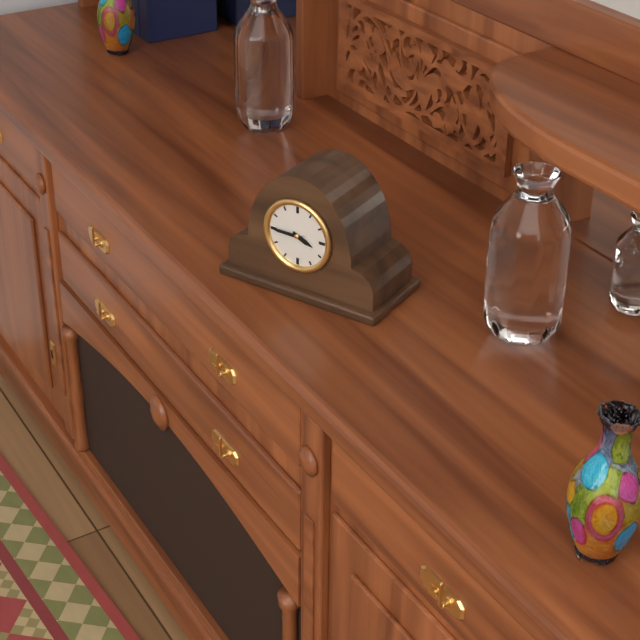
h=3 m=45
